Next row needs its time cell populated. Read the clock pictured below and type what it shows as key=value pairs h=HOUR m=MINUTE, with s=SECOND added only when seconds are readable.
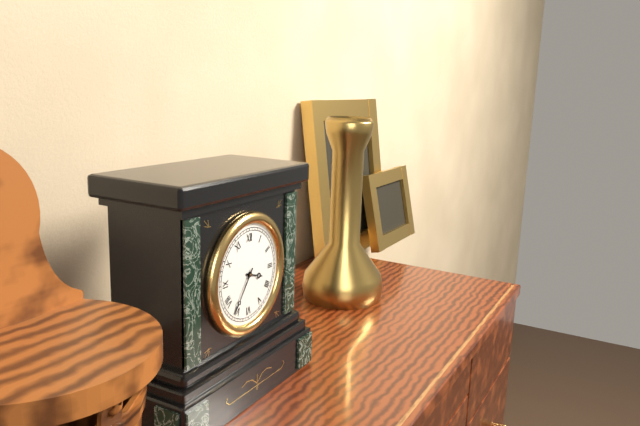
h=3 m=36
